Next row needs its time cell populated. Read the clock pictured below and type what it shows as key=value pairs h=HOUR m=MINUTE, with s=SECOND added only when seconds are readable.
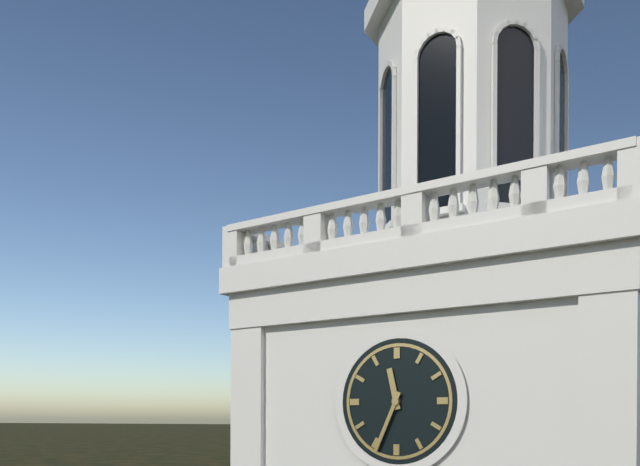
h=11 m=34
